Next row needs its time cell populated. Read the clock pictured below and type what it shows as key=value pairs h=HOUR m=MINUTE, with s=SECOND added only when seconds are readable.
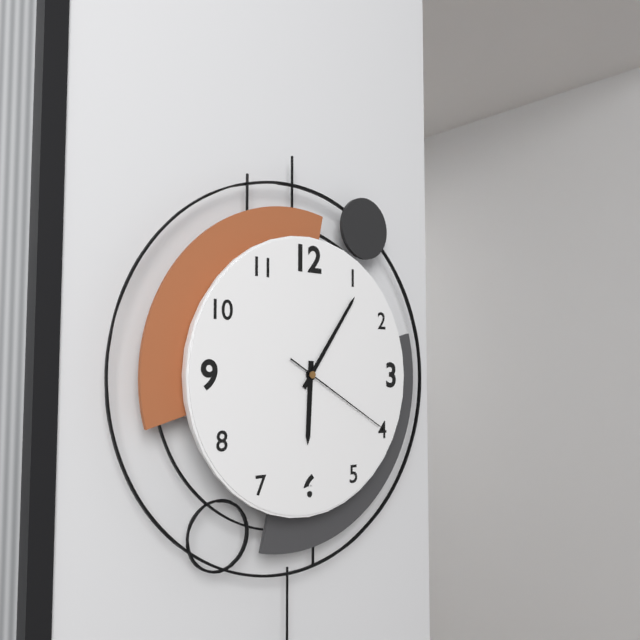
h=6 m=6 s=20
